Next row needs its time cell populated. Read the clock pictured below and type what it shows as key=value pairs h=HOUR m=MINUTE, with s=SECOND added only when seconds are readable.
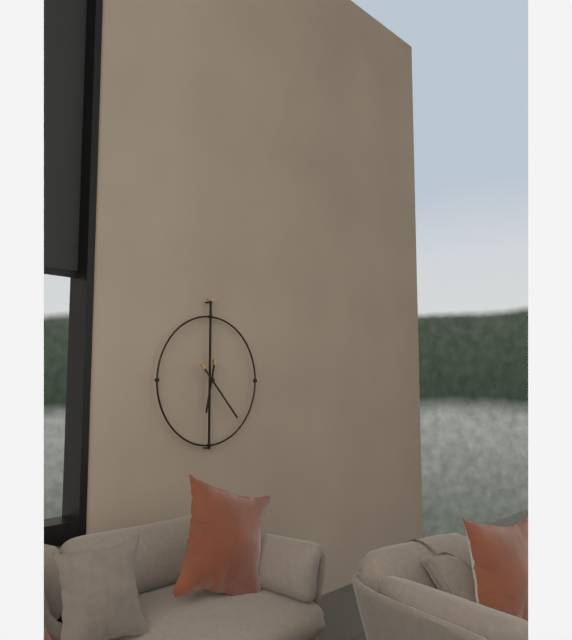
h=6 m=23
